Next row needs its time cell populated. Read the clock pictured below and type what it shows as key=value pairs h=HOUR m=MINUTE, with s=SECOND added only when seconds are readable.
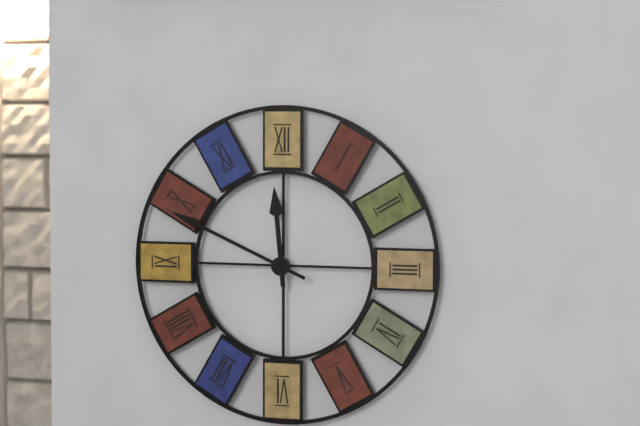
h=11 m=49
